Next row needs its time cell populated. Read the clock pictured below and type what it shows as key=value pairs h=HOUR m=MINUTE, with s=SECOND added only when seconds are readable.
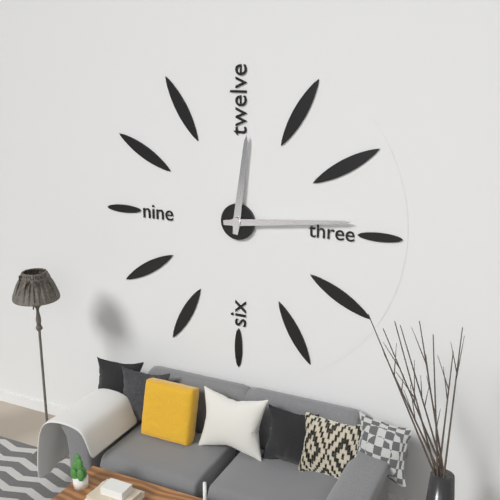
h=12 m=14
